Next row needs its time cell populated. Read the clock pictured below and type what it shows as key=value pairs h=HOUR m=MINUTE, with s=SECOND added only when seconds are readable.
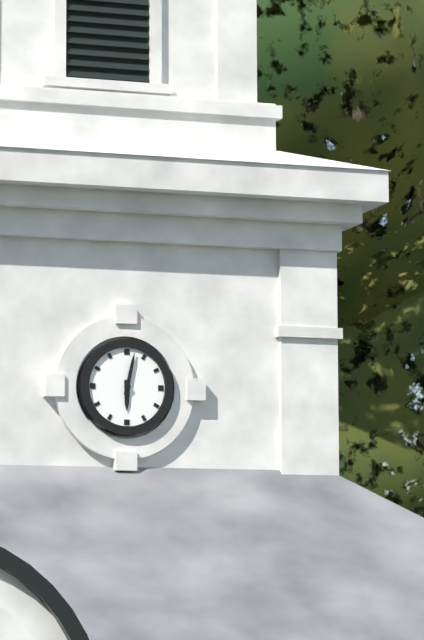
h=6 m=2
